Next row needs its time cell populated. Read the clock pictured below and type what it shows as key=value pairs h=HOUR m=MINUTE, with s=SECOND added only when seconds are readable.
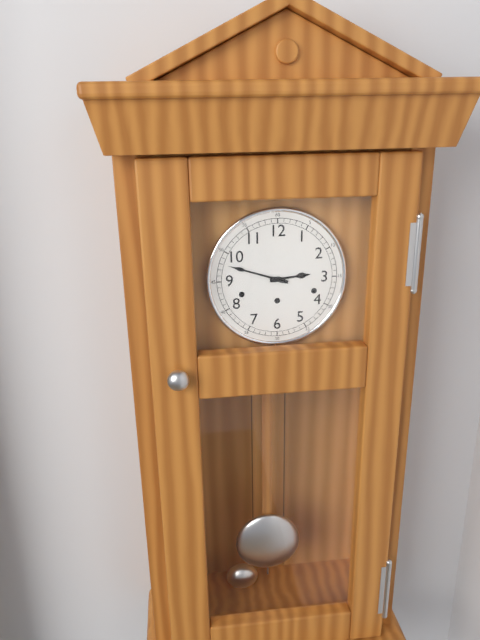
h=2 m=48
